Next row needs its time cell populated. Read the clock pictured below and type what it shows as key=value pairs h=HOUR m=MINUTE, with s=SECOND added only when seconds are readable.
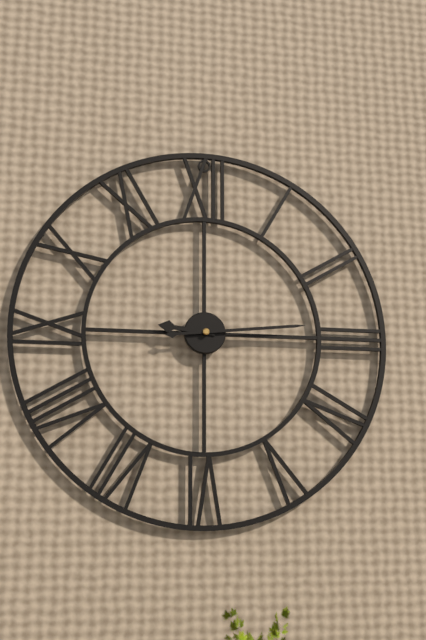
h=9 m=14
